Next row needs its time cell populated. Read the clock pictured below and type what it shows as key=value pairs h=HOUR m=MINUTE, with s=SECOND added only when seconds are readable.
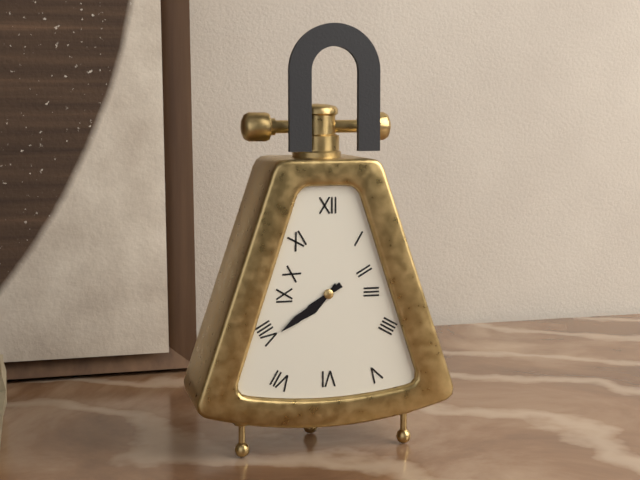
h=7 m=39
